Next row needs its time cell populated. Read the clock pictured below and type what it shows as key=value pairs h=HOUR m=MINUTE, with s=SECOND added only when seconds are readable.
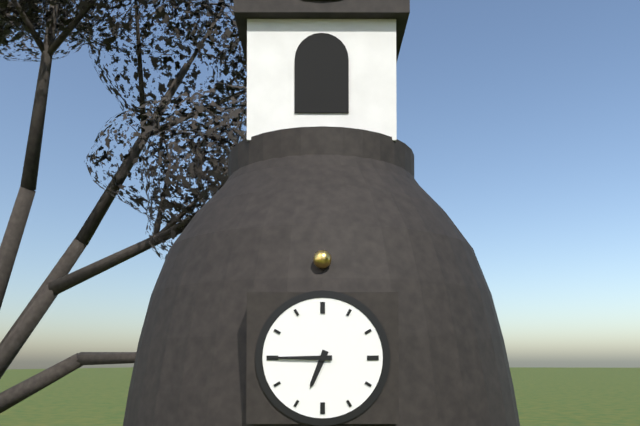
h=6 m=45
